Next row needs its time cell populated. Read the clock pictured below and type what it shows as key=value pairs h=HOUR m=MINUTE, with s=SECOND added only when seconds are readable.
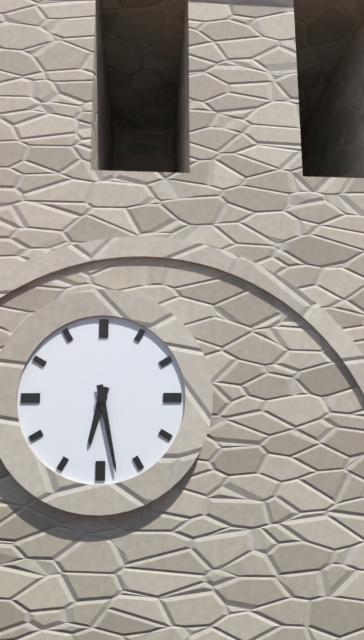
h=6 m=28
